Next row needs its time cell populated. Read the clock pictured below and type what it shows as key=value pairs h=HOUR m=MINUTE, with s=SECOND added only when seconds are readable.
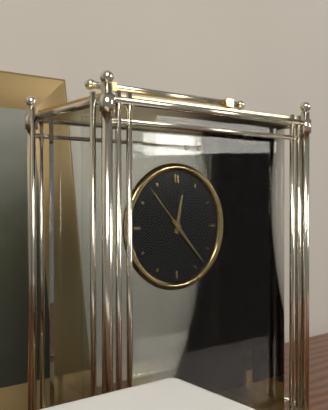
h=12 m=23 s=53
